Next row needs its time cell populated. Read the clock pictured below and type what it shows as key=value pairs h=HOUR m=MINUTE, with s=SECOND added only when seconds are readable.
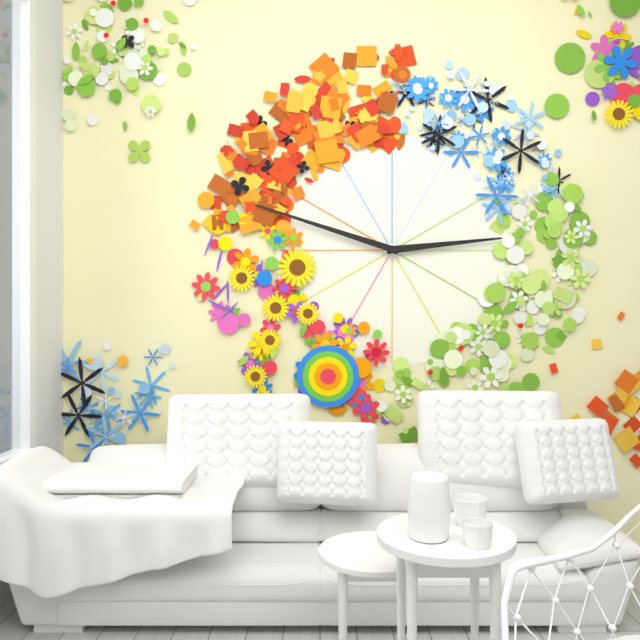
h=2 m=48
